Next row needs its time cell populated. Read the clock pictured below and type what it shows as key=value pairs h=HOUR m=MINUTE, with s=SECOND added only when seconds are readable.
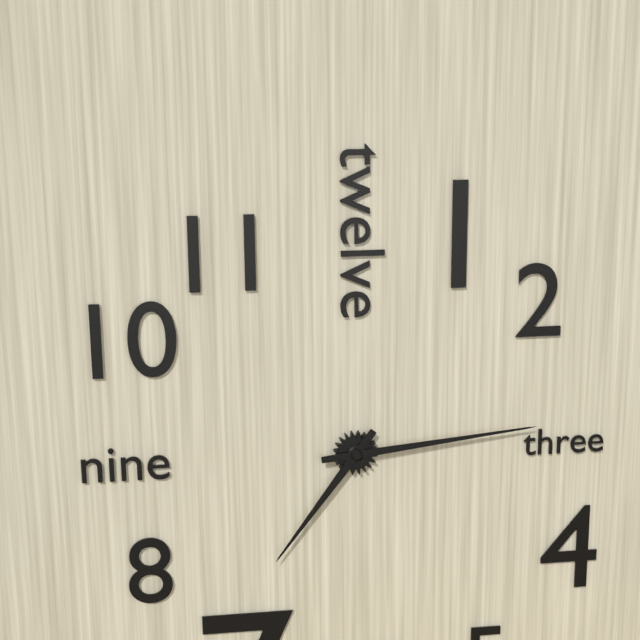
h=7 m=14
